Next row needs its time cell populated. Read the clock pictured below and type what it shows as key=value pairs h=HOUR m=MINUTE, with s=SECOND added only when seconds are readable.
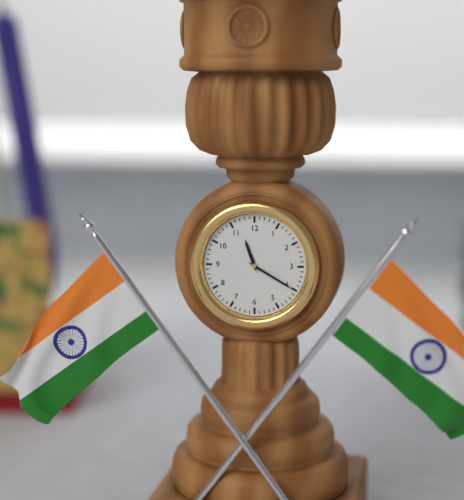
h=11 m=20
